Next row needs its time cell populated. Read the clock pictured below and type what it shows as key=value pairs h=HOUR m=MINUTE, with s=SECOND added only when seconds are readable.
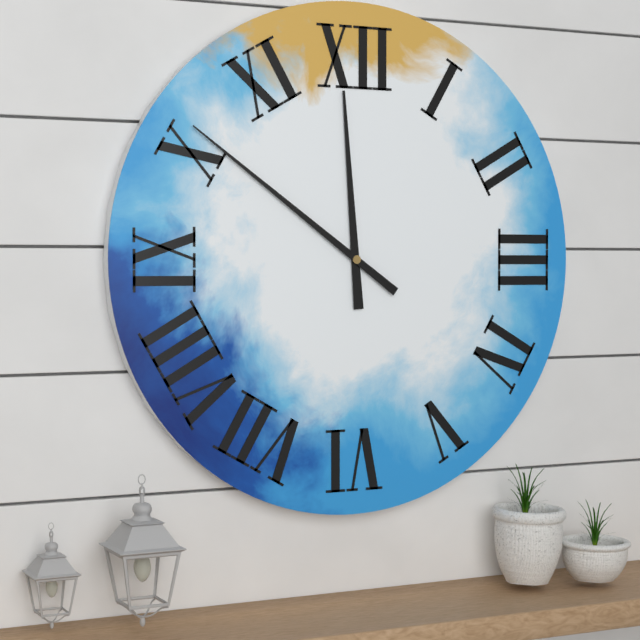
h=11 m=51
